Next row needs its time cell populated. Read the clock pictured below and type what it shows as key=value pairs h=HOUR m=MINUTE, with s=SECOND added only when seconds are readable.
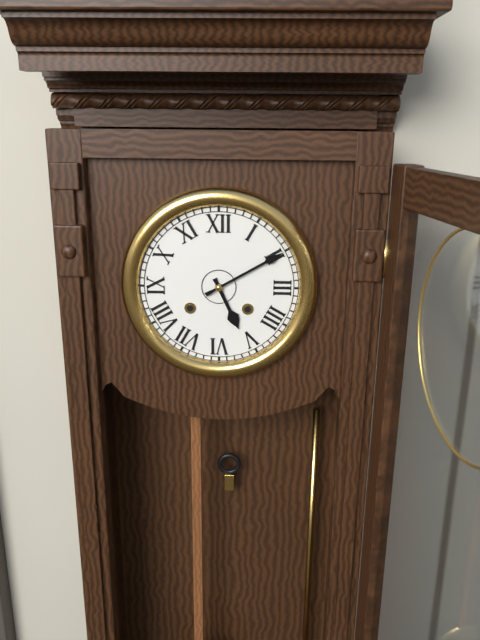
h=5 m=10
